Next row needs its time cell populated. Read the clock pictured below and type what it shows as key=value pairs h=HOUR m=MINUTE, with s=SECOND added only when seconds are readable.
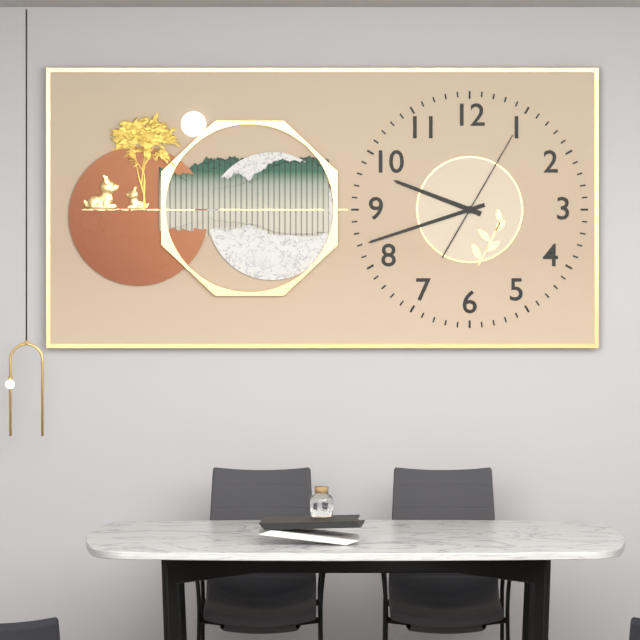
h=9 m=42 s=5
